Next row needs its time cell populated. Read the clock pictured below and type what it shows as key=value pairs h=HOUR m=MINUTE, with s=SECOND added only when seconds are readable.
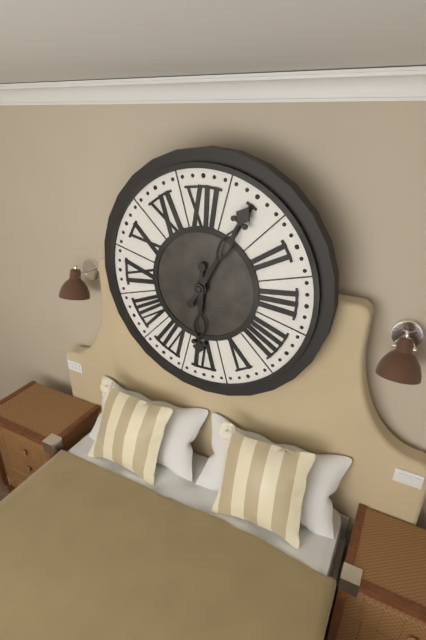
h=6 m=5
